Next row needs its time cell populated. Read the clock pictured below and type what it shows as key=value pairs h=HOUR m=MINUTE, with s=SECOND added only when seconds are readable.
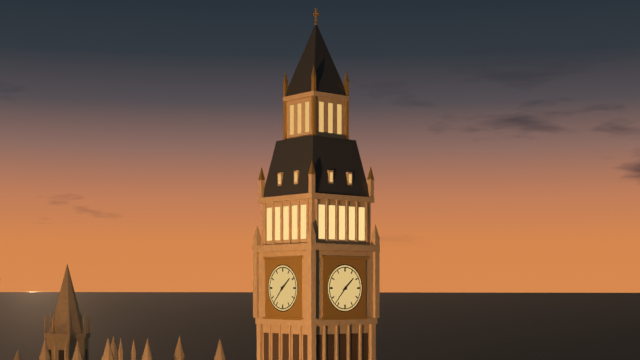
h=1 m=37
